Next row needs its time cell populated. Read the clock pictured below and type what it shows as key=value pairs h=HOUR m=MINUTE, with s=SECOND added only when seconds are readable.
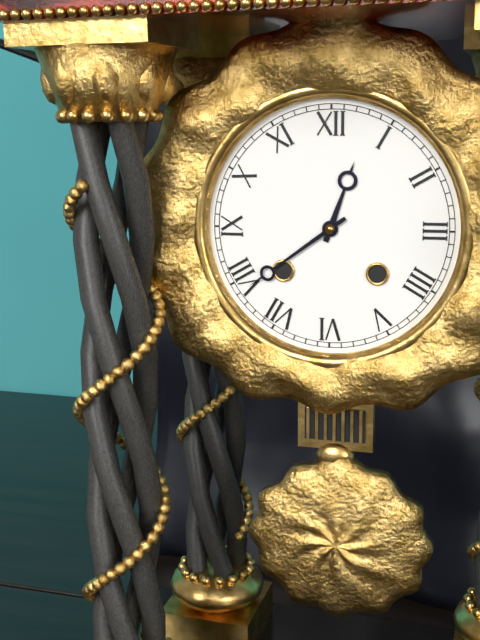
h=12 m=39
